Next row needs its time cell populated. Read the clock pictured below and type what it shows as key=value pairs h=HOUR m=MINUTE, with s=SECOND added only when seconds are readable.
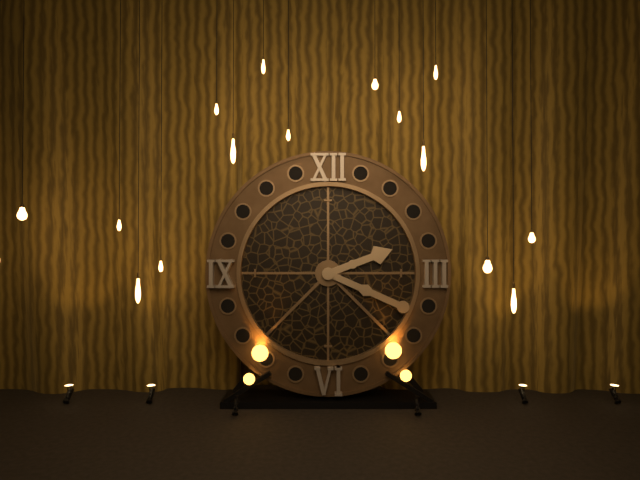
h=2 m=19
